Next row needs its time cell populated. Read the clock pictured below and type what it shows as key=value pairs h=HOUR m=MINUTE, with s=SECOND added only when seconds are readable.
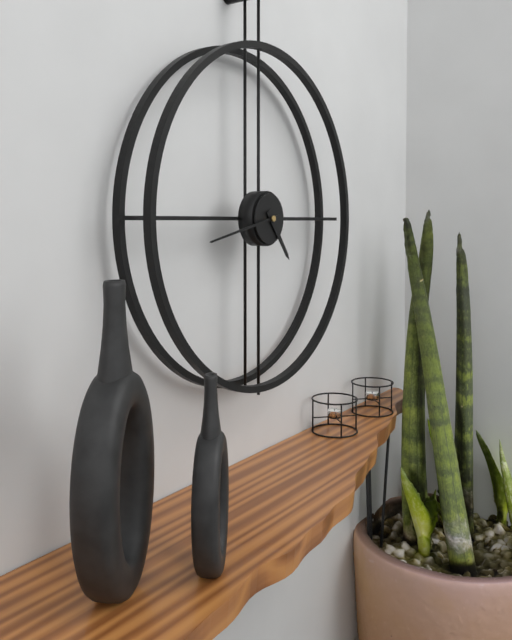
h=4 m=43
